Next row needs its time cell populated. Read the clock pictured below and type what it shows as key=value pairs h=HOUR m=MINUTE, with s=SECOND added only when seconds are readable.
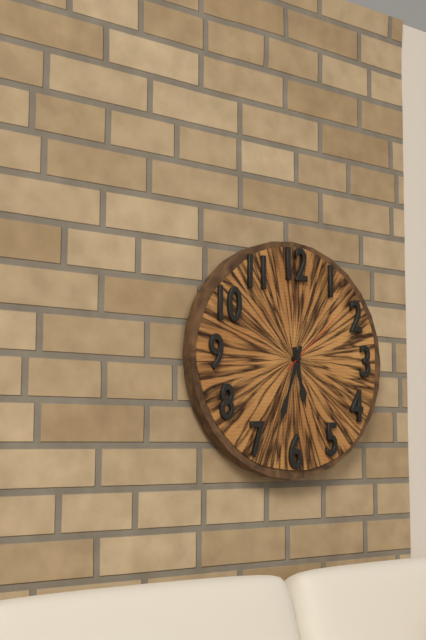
h=5 m=33 s=8
